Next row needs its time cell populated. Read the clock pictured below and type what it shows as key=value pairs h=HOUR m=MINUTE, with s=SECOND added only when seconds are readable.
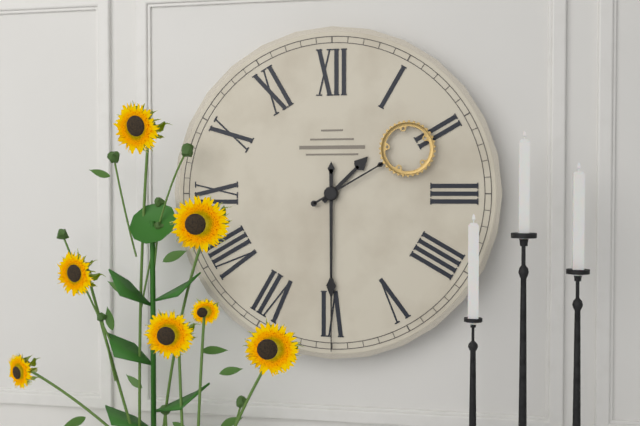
h=1 m=30 s=10
